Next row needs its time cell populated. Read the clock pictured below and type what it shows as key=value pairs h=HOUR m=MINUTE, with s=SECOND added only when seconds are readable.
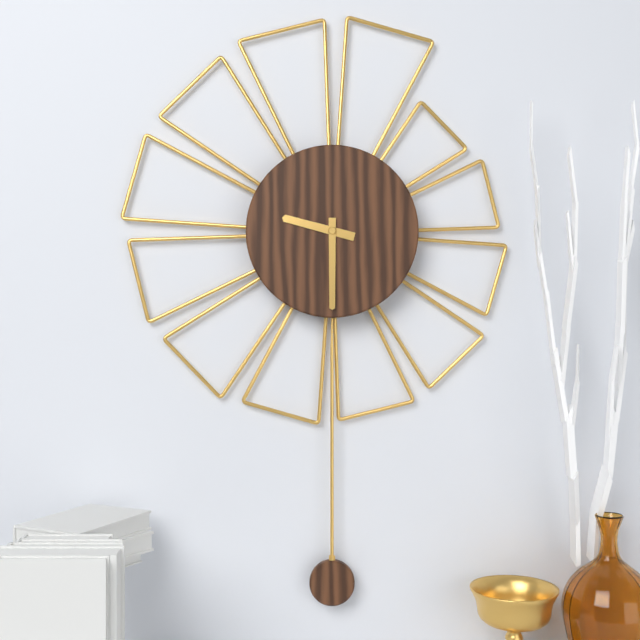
h=9 m=30
